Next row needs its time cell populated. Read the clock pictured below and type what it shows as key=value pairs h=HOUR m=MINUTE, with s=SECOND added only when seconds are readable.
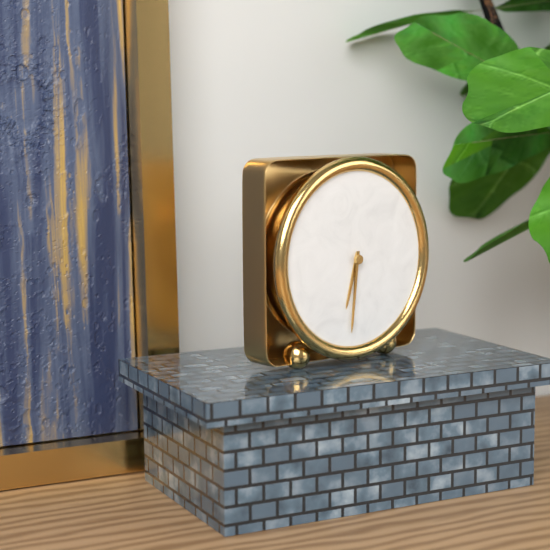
h=6 m=31
